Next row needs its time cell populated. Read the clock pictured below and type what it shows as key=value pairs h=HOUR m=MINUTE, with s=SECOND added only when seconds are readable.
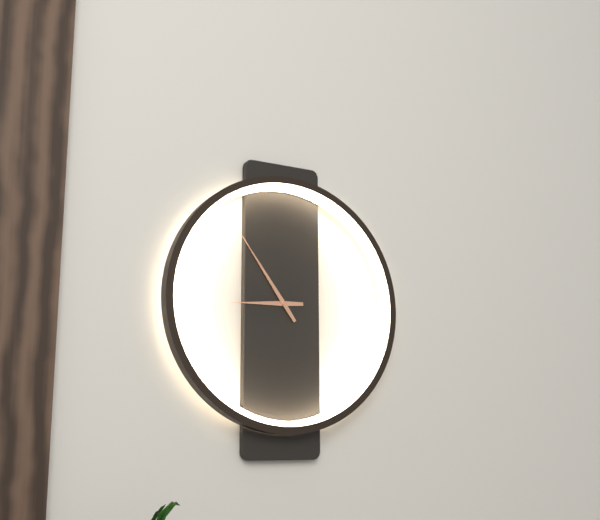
h=8 m=54
